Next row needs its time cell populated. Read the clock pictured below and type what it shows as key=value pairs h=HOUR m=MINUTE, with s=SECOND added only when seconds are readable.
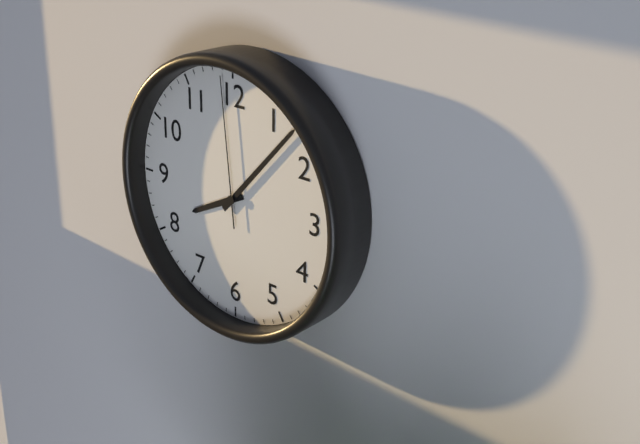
h=8 m=7 s=59
